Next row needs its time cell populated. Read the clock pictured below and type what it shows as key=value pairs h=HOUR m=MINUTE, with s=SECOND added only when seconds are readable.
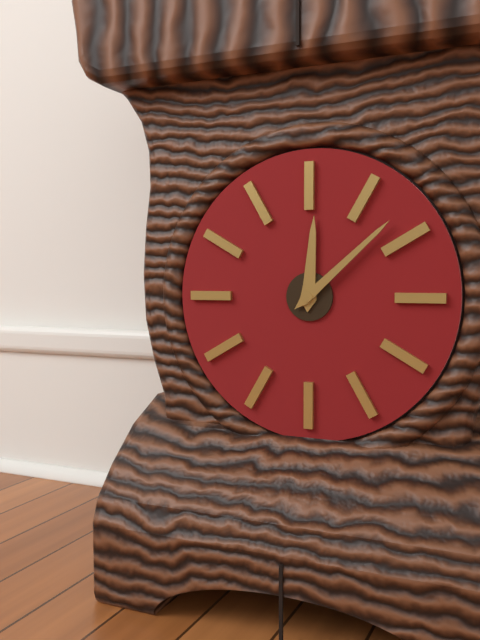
h=12 m=8
